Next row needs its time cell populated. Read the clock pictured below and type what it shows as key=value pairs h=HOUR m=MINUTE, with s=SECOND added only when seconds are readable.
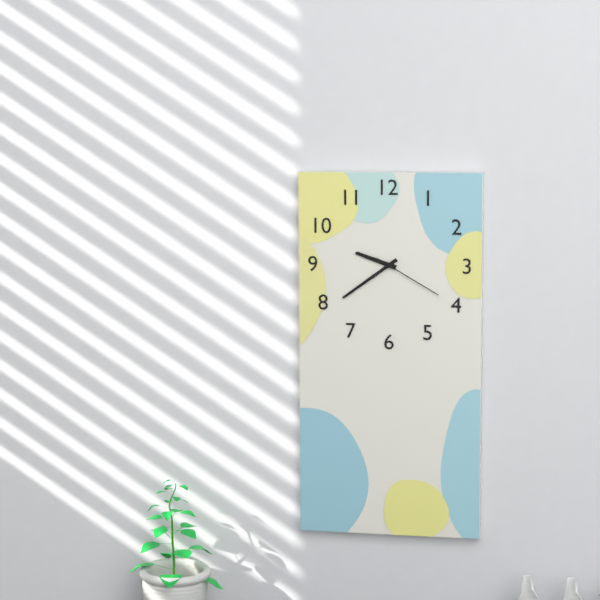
h=9 m=39 s=20
